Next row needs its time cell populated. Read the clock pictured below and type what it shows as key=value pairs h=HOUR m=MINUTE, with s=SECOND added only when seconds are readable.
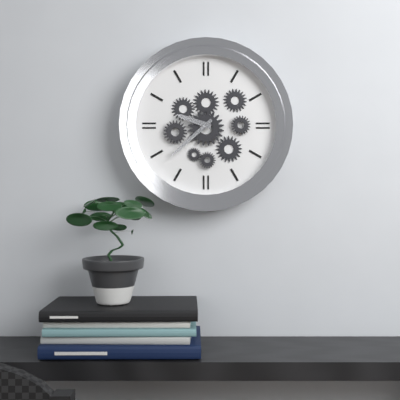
h=9 m=38
